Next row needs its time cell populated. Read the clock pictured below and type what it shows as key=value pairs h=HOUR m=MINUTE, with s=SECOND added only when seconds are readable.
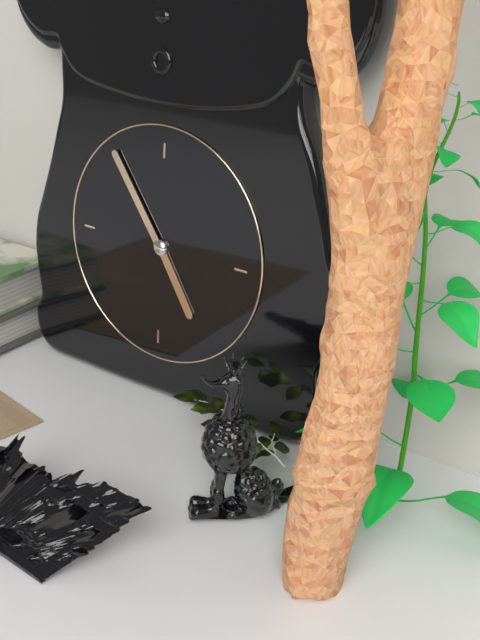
h=4 m=54
